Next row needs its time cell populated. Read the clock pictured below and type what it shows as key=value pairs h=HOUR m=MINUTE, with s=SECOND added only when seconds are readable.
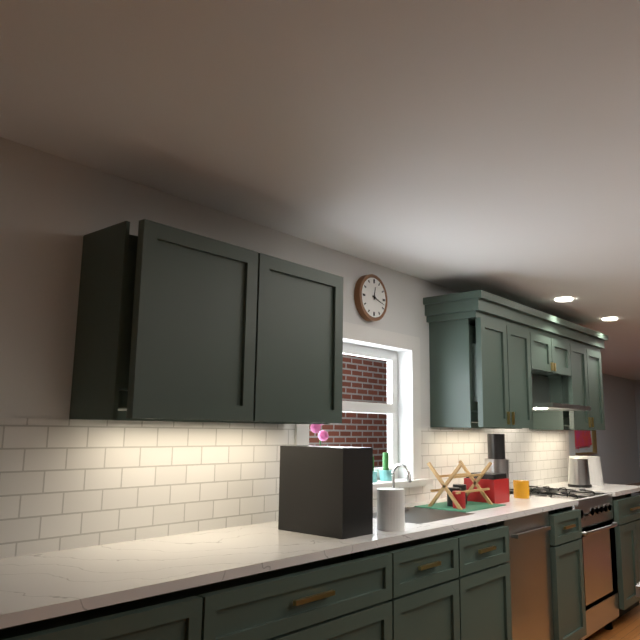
h=12 m=18
